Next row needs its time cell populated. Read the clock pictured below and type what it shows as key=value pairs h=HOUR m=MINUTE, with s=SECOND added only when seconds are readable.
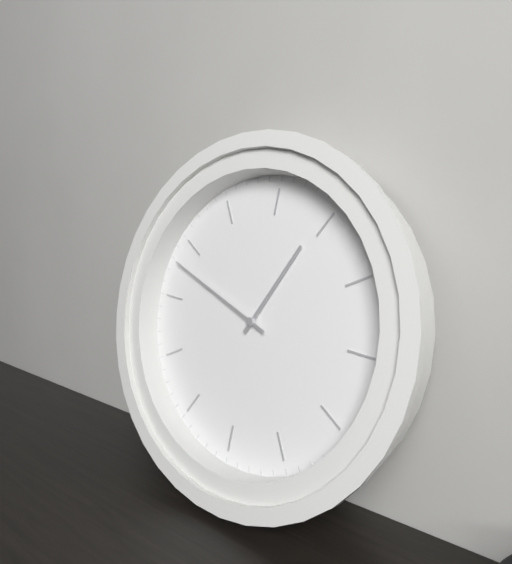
h=1 m=53
